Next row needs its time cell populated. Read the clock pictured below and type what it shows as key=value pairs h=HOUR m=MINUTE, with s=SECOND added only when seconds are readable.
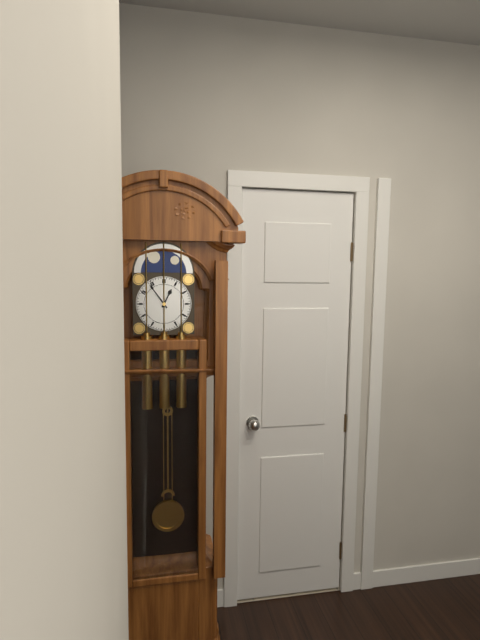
h=12 m=54
